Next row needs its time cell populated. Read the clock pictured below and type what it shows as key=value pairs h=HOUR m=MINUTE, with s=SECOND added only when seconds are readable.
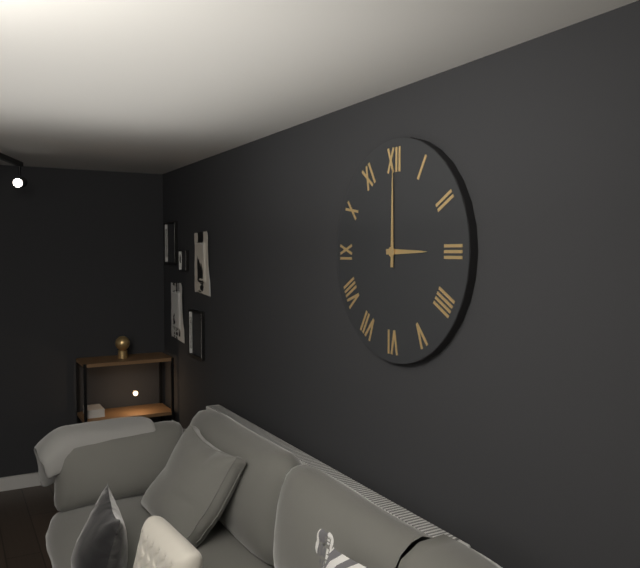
h=3 m=0
